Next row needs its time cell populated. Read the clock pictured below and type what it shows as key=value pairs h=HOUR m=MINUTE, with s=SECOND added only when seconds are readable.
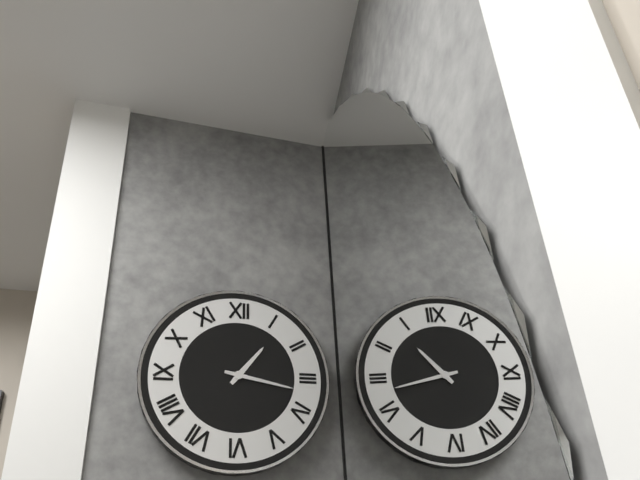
h=1 m=17
